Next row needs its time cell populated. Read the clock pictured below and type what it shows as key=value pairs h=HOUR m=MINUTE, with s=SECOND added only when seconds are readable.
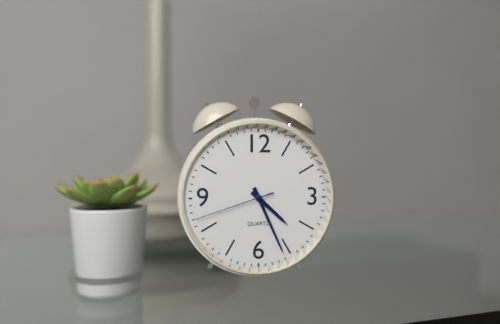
h=4 m=26 s=42
